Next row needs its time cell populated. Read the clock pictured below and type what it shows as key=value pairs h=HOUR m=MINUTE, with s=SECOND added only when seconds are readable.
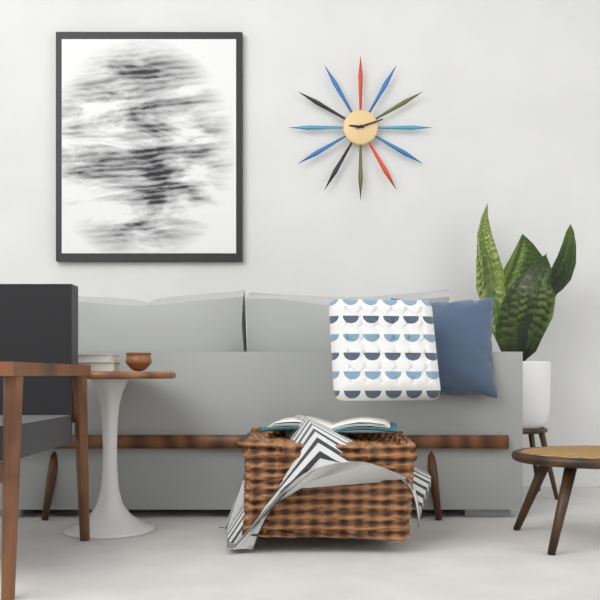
h=9 m=12
